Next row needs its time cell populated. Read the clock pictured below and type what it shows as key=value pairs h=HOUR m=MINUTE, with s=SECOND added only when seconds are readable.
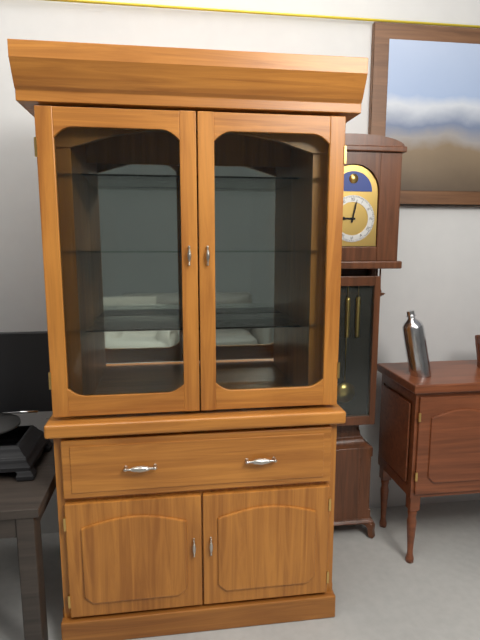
h=9 m=2
